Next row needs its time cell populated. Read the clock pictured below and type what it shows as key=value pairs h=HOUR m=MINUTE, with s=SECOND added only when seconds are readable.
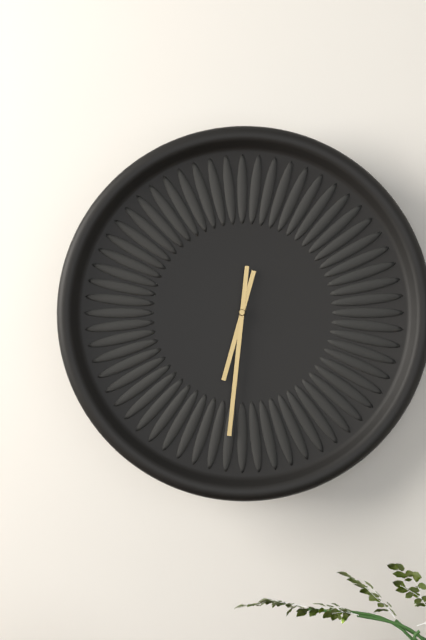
h=6 m=31
